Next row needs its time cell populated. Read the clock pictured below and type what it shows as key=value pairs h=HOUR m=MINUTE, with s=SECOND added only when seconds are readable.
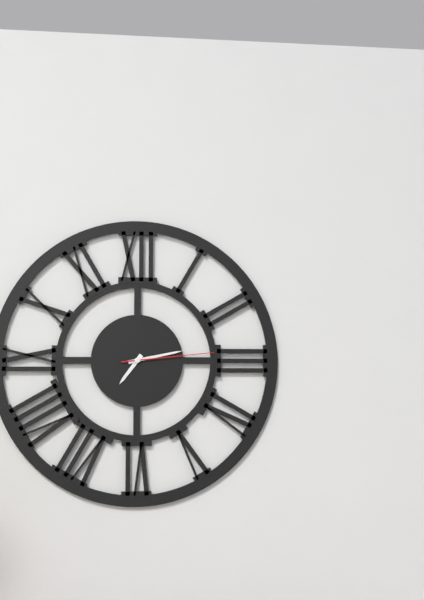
h=7 m=13 s=14
